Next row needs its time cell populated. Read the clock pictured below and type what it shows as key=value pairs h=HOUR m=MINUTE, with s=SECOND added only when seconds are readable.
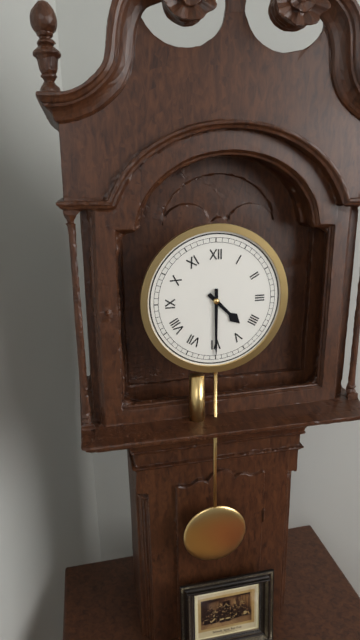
h=4 m=30
